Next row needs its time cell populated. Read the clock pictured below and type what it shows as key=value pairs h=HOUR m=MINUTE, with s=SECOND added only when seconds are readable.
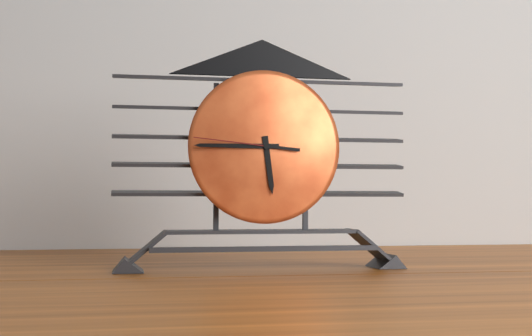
h=5 m=45 s=46
